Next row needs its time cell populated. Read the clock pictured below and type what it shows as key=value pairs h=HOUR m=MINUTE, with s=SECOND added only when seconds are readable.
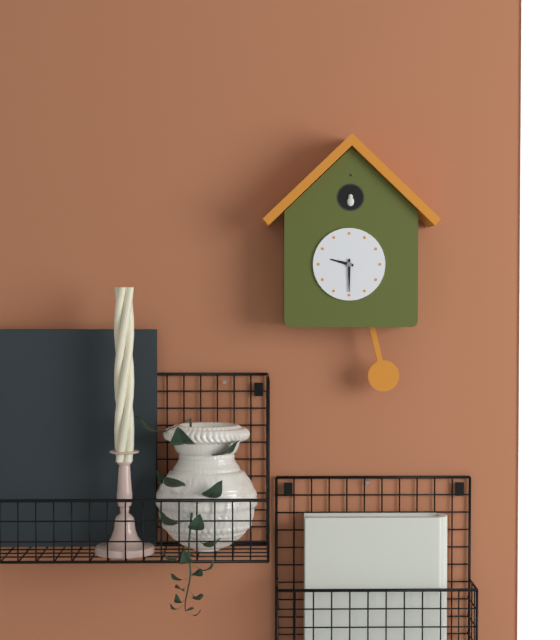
h=9 m=30
